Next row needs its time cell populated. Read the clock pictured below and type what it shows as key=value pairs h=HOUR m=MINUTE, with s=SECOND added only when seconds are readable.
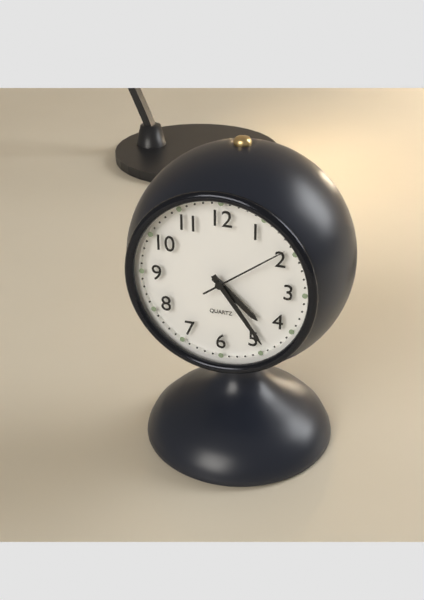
h=4 m=24 s=9
